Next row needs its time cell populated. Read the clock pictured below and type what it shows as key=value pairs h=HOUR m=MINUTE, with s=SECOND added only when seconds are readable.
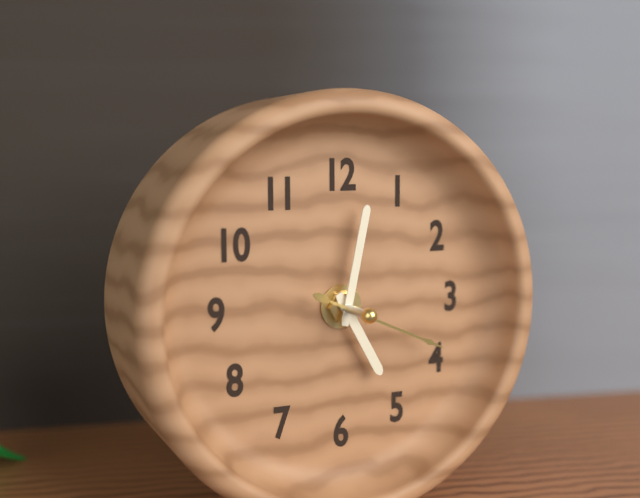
h=5 m=2 s=19
